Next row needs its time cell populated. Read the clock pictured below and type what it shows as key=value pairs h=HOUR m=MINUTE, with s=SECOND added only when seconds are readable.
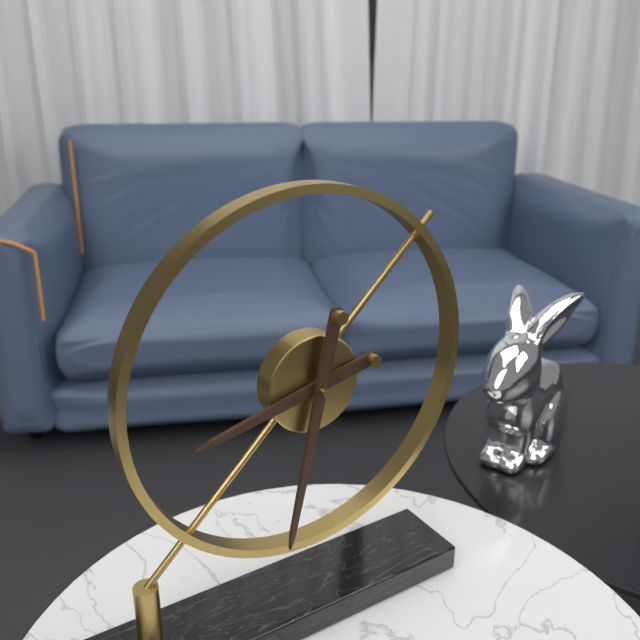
h=8 m=32
